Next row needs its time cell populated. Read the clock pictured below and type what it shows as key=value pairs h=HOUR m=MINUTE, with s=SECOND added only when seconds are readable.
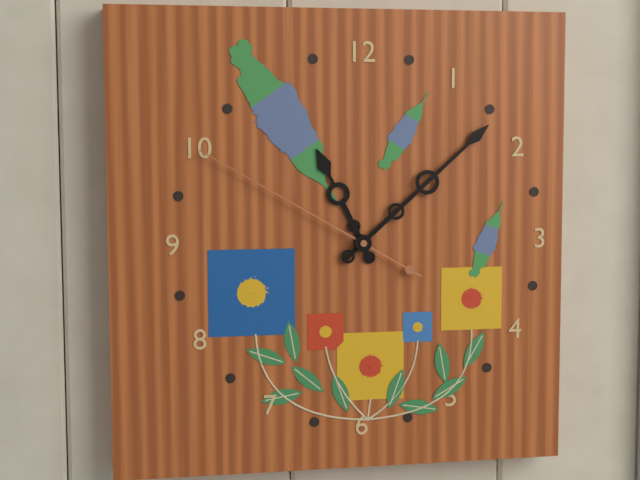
h=11 m=8 s=50
